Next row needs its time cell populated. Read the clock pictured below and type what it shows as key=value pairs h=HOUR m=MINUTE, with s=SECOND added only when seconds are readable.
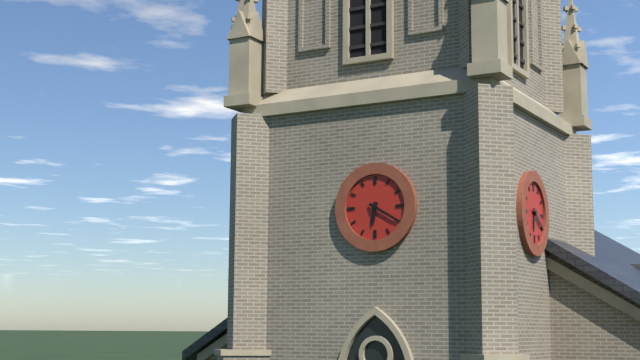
h=6 m=20
